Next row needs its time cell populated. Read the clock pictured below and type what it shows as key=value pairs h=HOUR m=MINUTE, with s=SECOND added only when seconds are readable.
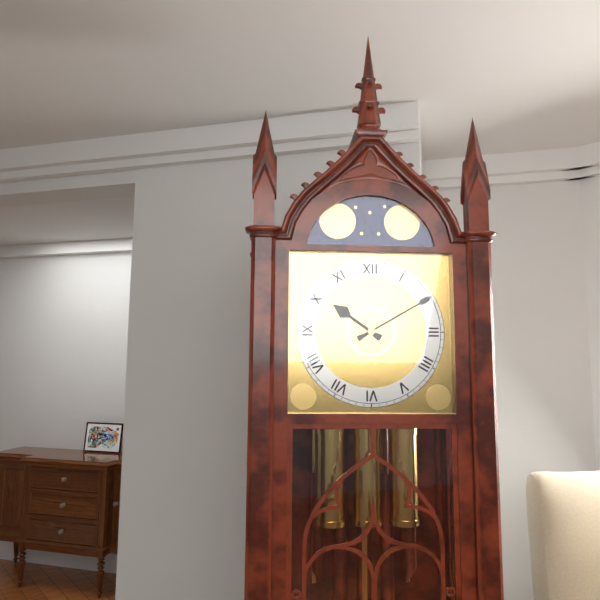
h=10 m=10
